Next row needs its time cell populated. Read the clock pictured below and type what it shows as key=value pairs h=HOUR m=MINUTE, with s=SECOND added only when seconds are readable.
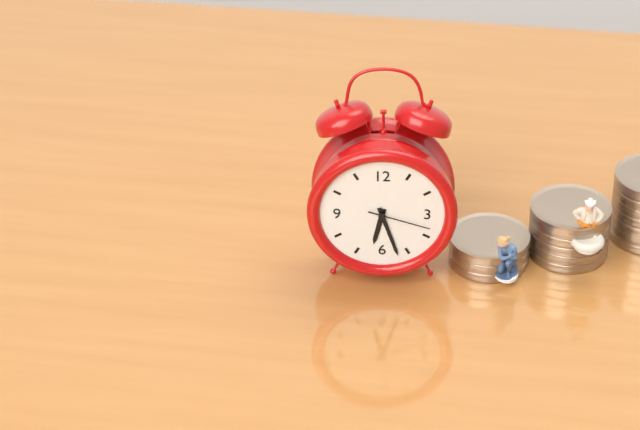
h=6 m=27 s=18
